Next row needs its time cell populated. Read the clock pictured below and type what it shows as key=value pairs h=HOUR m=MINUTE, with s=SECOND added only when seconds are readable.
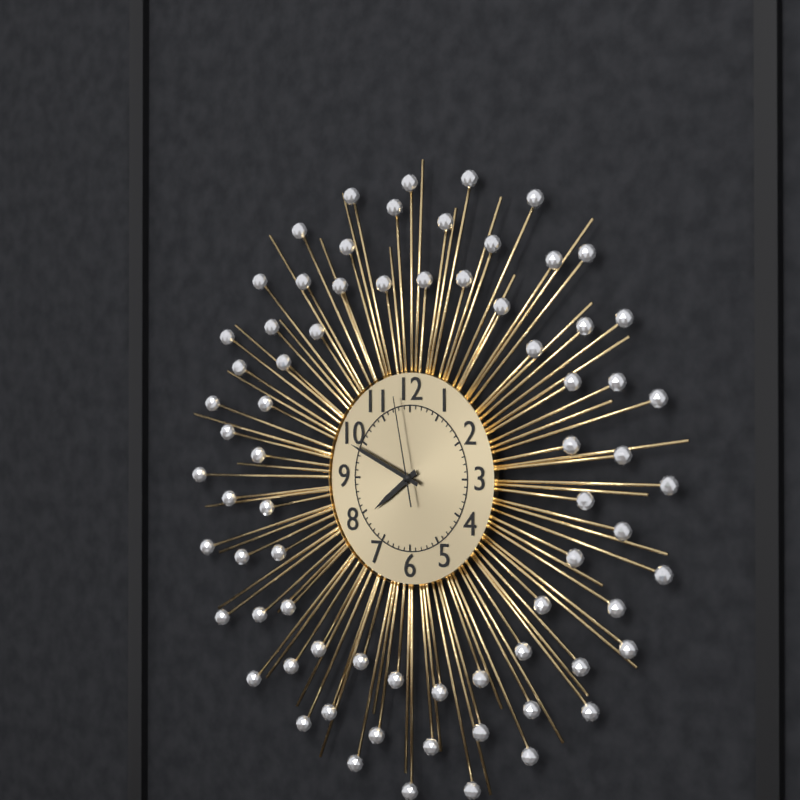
h=7 m=49 s=58
